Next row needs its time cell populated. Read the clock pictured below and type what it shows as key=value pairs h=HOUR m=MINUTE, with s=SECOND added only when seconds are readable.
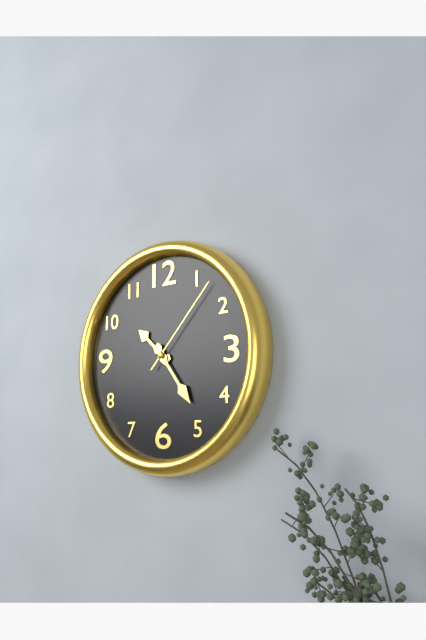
h=10 m=24 s=7
